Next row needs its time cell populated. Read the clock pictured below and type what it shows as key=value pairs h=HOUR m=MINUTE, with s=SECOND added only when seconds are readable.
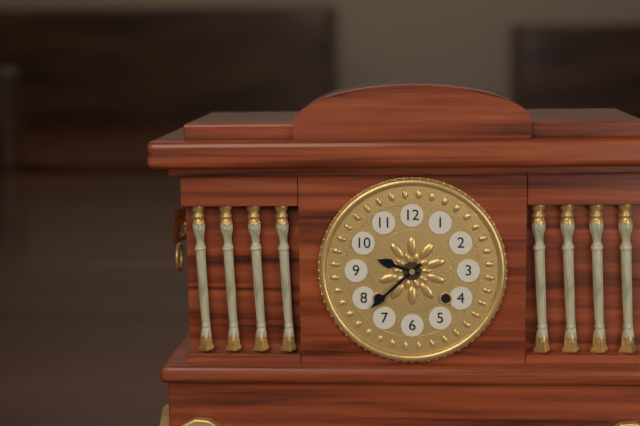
h=9 m=38
